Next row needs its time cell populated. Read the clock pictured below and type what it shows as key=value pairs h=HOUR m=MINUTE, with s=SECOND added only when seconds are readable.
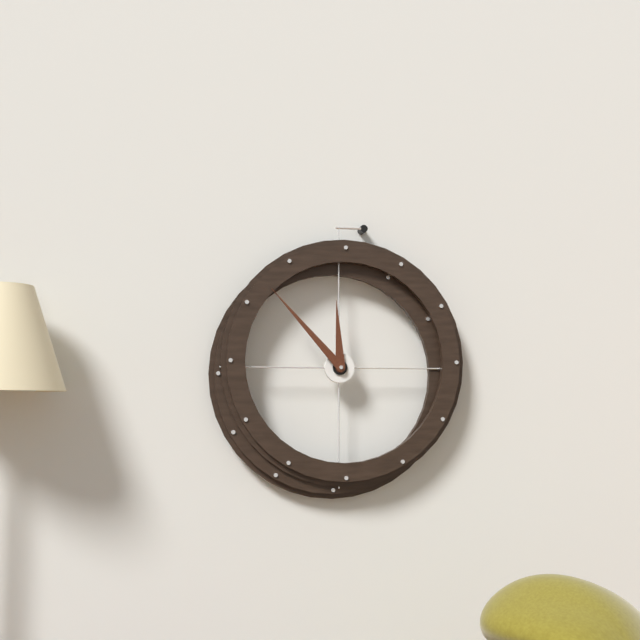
h=11 m=53
